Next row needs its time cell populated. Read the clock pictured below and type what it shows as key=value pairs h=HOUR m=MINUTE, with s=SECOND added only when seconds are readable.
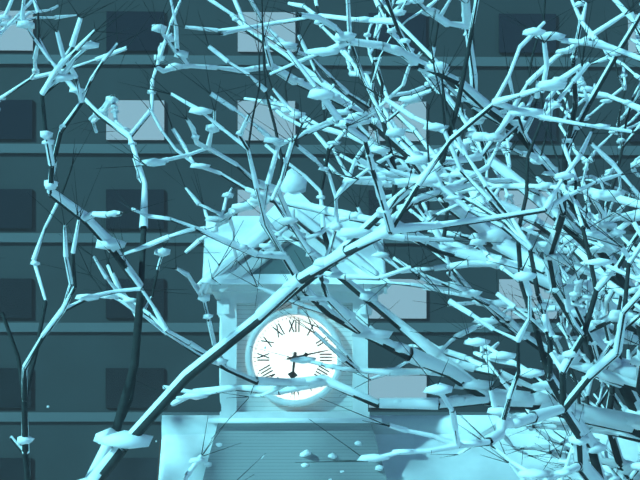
h=6 m=13
